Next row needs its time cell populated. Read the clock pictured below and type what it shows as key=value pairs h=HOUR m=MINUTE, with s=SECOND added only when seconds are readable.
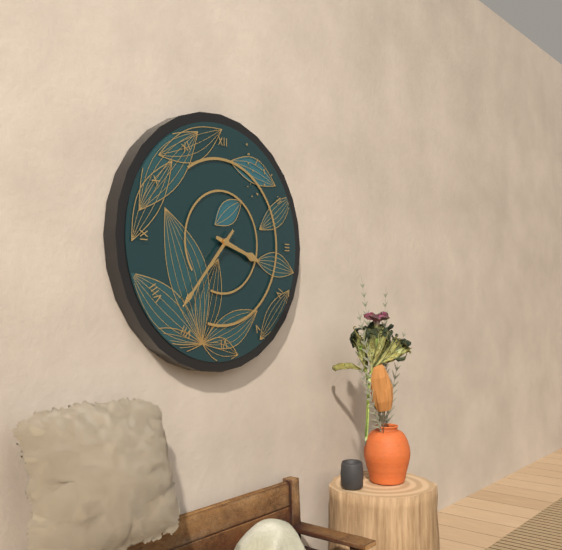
h=3 m=37
